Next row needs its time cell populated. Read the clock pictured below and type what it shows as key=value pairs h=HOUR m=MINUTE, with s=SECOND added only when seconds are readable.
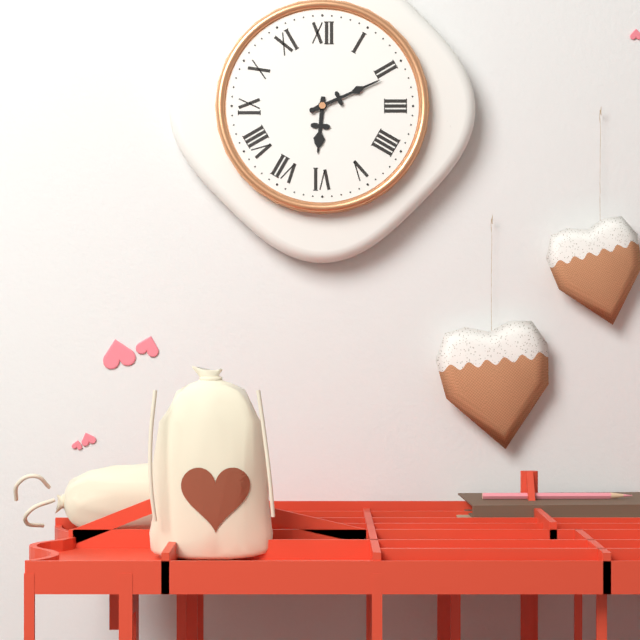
h=6 m=11
